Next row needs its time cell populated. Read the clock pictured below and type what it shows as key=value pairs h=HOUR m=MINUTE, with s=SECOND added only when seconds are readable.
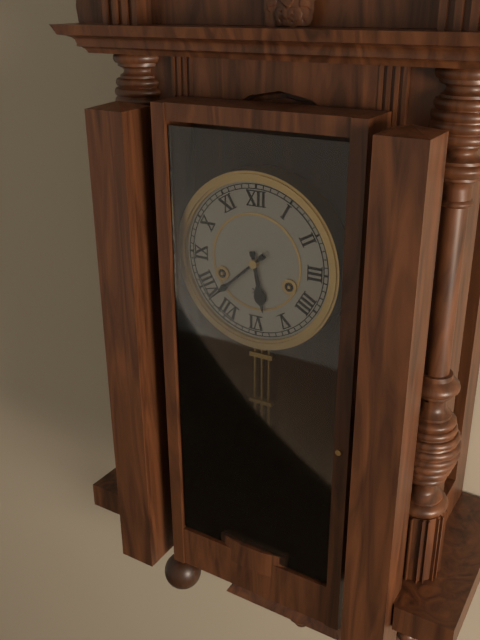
h=5 m=38
